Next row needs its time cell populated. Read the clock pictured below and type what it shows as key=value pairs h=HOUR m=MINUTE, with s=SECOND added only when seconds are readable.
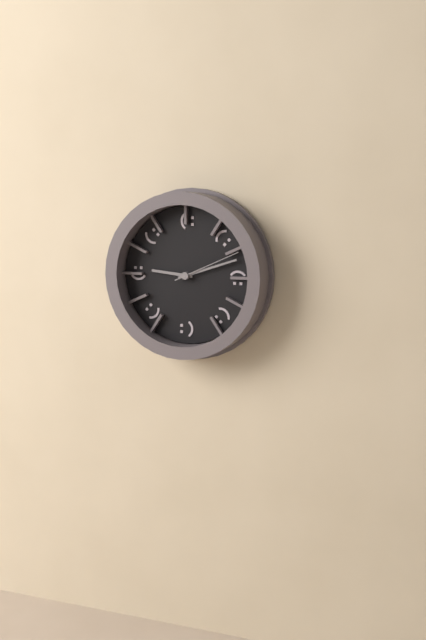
h=9 m=12 s=11
